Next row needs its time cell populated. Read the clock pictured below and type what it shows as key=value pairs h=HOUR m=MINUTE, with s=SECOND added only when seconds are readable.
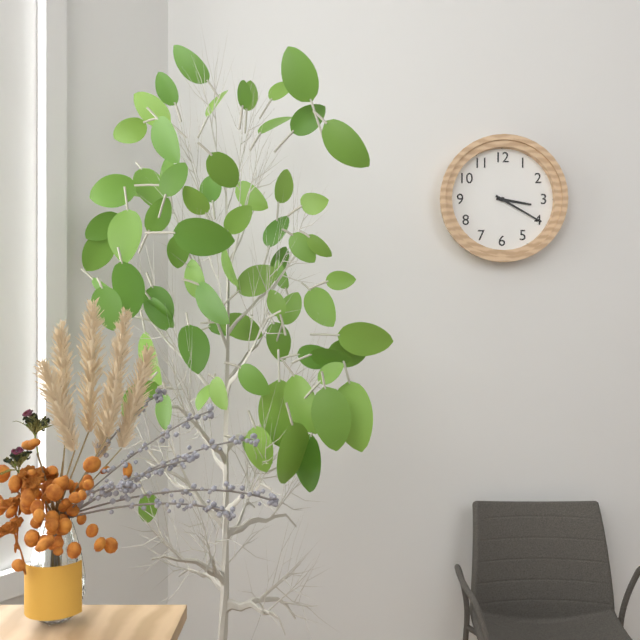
h=3 m=20
